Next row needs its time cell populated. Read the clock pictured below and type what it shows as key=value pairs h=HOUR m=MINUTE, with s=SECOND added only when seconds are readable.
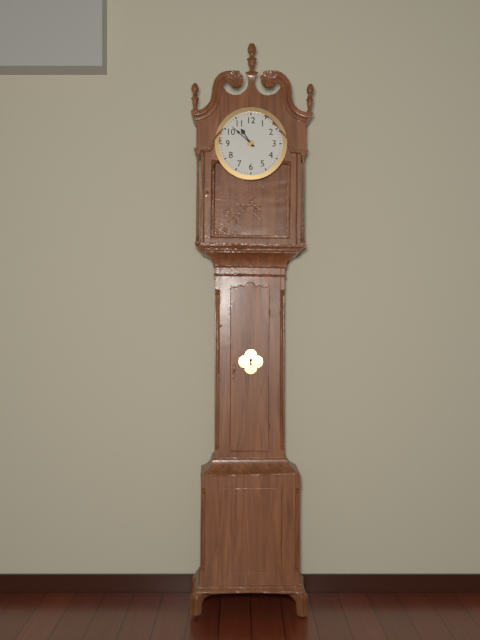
h=10 m=52
